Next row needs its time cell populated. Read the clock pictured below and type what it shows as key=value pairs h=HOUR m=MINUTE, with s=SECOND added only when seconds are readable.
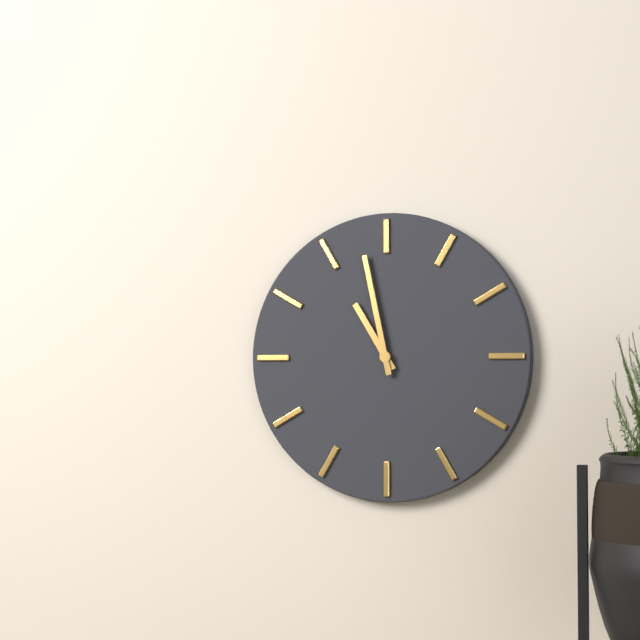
h=10 m=58
